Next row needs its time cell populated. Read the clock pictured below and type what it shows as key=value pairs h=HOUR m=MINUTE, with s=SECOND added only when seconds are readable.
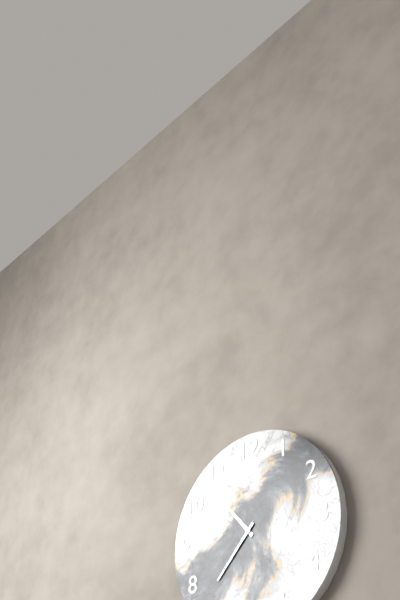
h=10 m=37
